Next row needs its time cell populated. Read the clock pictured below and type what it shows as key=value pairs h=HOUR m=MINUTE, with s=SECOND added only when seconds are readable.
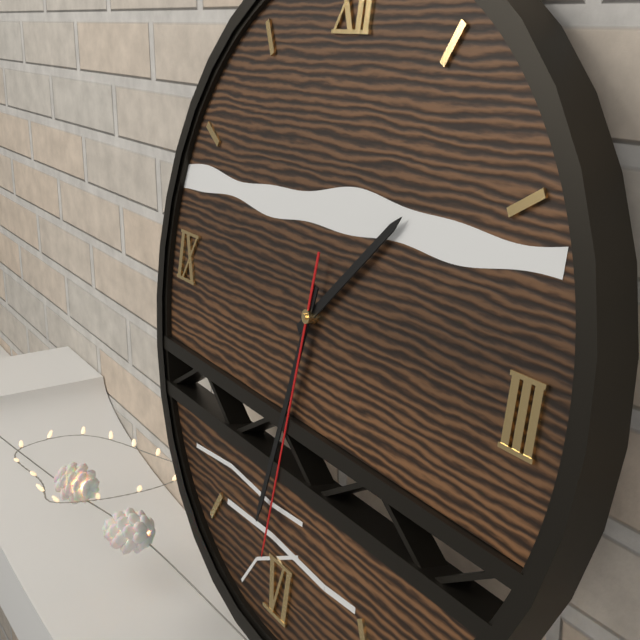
h=1 m=32 s=31
